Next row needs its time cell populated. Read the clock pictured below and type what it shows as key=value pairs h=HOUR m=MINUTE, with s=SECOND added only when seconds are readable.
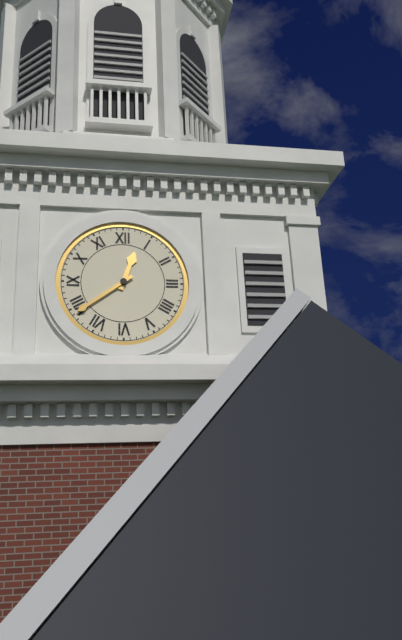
h=12 m=39
